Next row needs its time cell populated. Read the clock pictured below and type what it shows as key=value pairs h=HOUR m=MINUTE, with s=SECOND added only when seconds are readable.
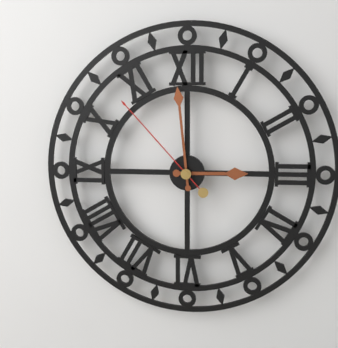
h=2 m=59 s=53
